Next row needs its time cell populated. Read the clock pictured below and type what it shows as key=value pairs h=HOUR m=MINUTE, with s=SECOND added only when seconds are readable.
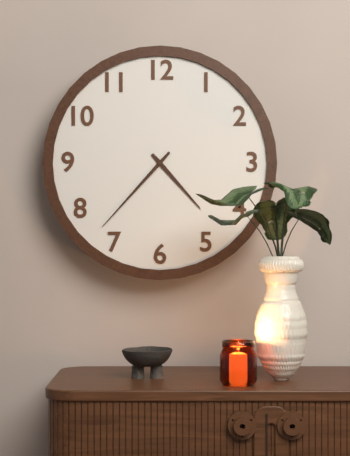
h=4 m=37
